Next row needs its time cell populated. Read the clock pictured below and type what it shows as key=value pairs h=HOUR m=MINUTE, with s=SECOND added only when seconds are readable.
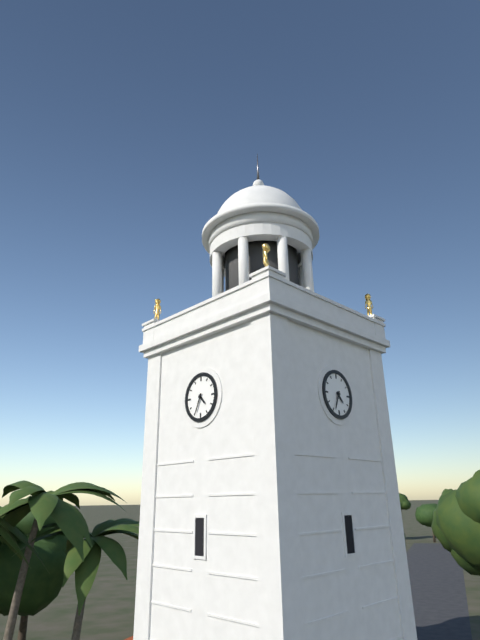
h=4 m=34
